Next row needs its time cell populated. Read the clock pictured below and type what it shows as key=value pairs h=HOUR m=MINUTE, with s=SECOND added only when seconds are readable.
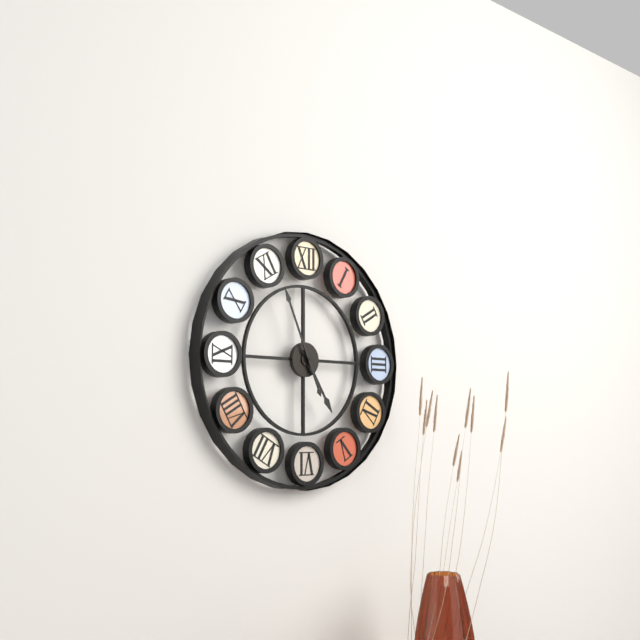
h=4 m=56
